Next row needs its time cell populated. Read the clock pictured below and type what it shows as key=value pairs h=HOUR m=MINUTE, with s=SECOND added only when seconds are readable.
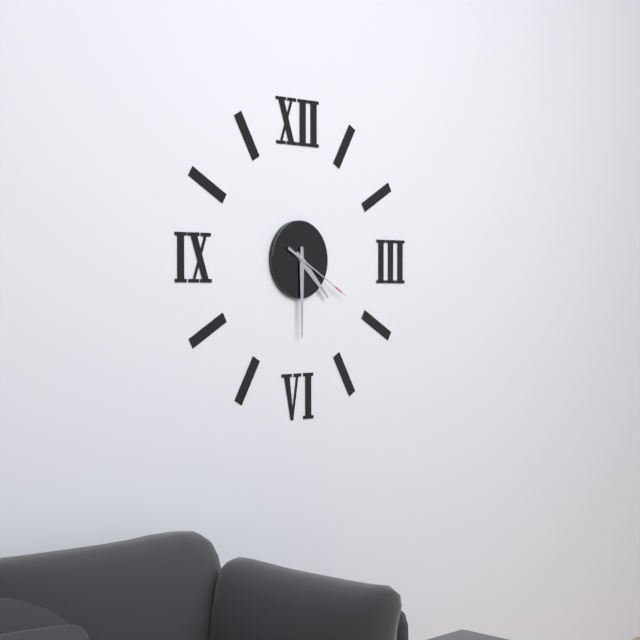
h=4 m=30 s=20
